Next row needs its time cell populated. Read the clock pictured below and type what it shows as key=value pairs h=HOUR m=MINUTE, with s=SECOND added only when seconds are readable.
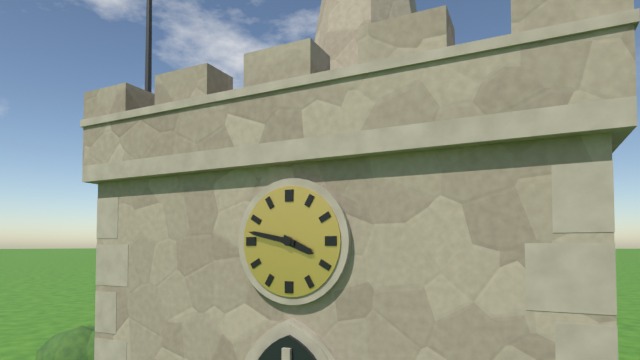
h=3 m=47
